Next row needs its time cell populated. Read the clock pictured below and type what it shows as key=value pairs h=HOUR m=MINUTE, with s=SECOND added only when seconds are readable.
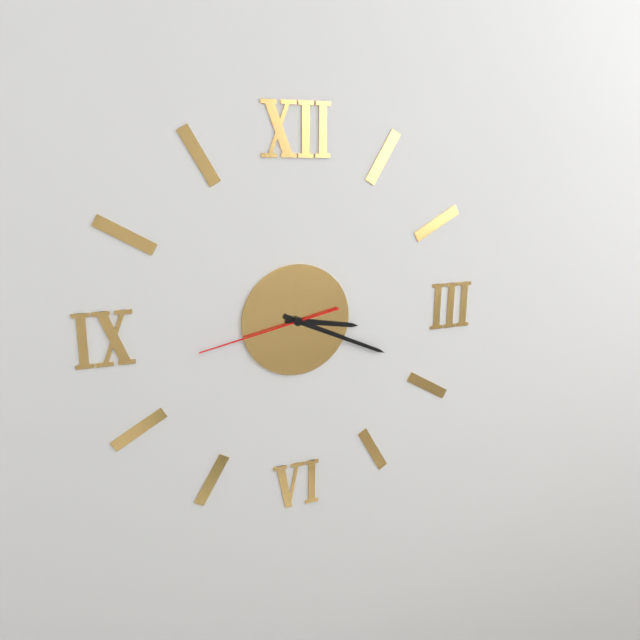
h=3 m=19 s=43
